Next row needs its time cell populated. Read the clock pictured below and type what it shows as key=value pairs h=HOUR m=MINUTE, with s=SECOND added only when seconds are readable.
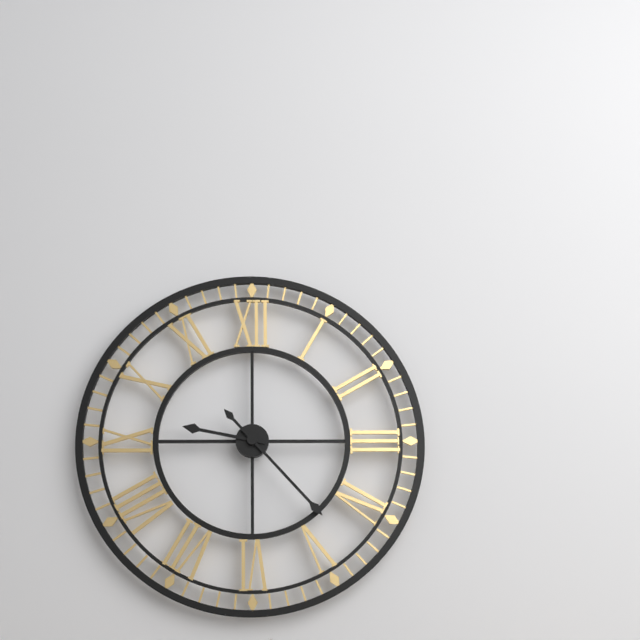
h=9 m=23
